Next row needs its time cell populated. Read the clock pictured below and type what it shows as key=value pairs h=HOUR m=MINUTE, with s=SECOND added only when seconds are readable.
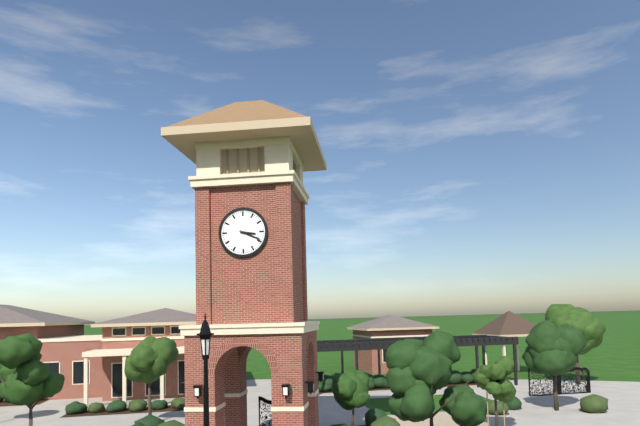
h=3 m=19
